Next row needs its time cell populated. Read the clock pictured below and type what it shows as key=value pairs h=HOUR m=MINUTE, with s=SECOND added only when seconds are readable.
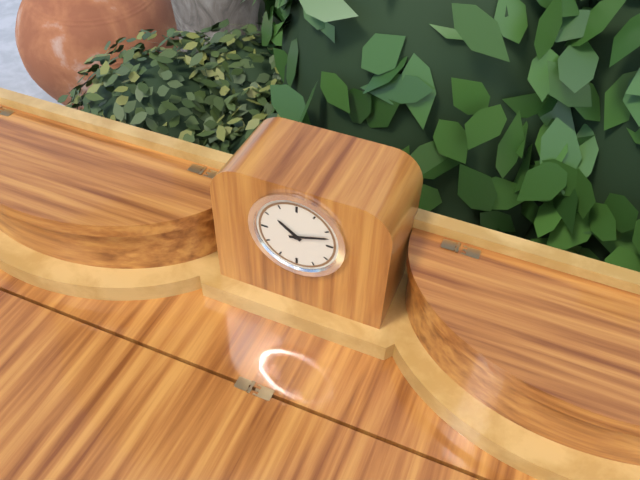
h=10 m=12
